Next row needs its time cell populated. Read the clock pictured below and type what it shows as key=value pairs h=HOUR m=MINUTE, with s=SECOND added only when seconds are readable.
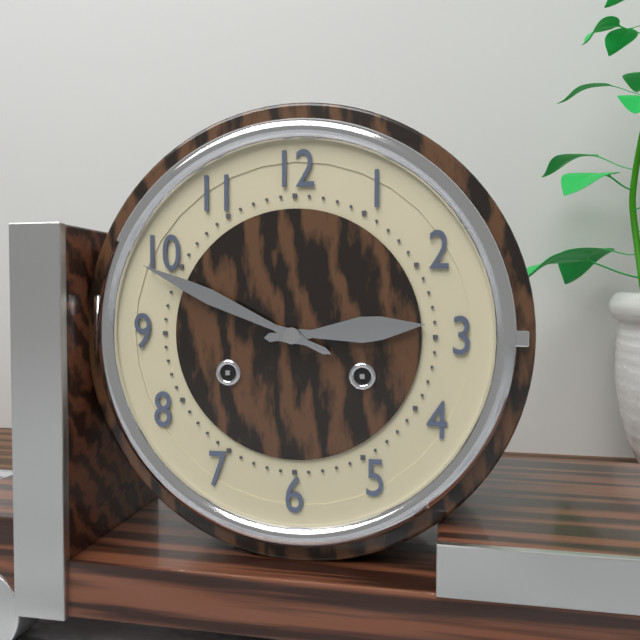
h=2 m=49
